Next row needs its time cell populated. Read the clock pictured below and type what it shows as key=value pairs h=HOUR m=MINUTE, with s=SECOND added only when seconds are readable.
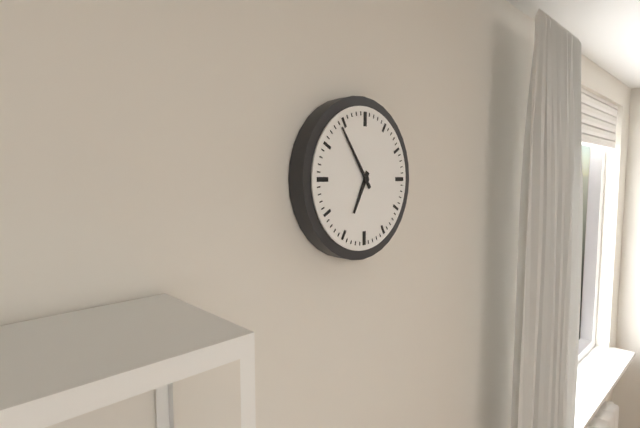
h=6 m=54
